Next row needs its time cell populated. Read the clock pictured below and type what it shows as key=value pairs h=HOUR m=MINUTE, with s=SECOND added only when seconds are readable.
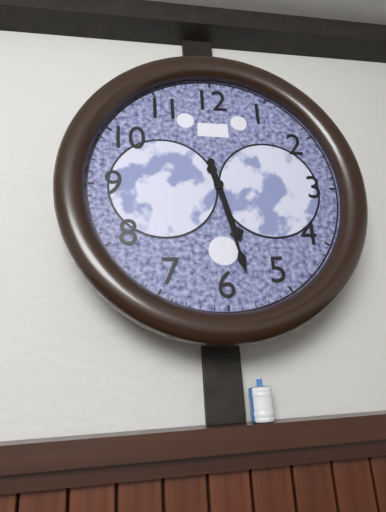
h=5 m=28
